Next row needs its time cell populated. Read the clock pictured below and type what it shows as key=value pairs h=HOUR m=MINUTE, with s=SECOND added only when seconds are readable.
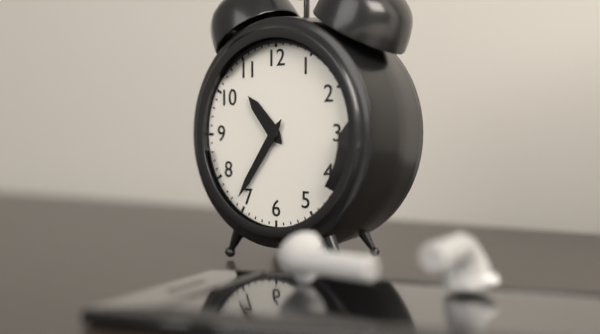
h=10 m=36
